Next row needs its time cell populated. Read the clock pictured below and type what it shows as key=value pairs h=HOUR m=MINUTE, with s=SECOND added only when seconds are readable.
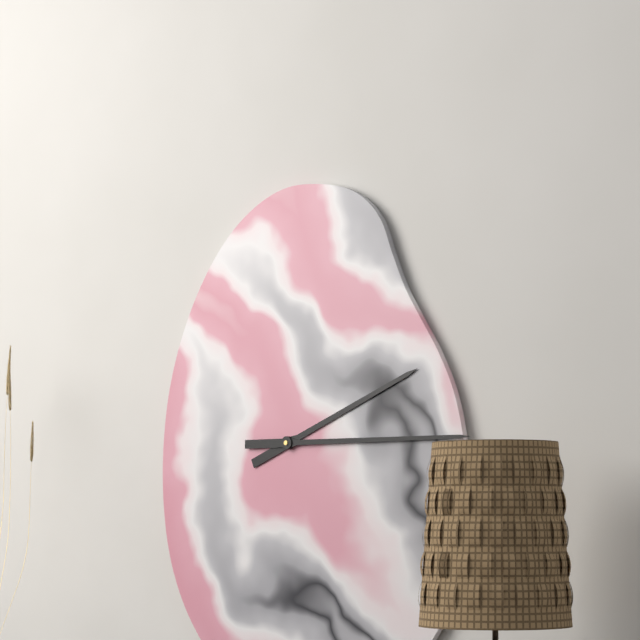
h=2 m=15
